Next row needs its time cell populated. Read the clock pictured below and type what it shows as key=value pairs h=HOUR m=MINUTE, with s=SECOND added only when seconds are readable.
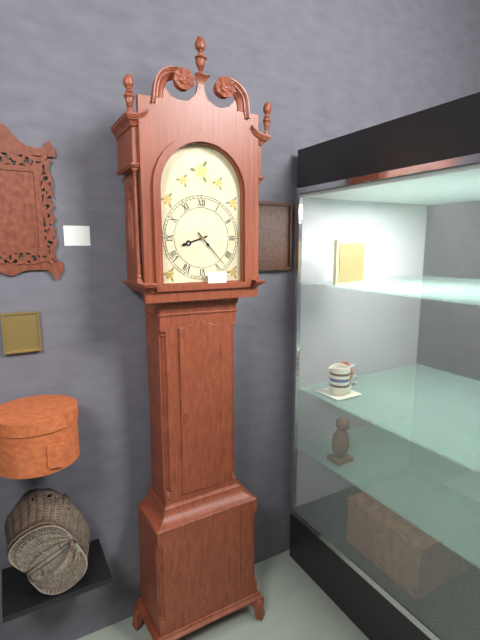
h=8 m=23
